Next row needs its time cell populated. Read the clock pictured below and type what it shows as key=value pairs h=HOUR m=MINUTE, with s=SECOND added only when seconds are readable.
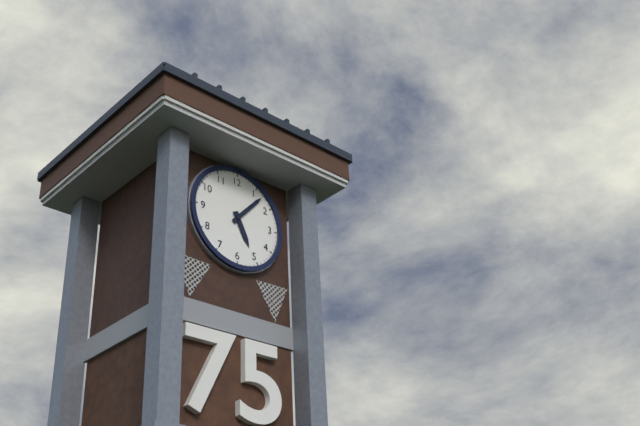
h=5 m=7
